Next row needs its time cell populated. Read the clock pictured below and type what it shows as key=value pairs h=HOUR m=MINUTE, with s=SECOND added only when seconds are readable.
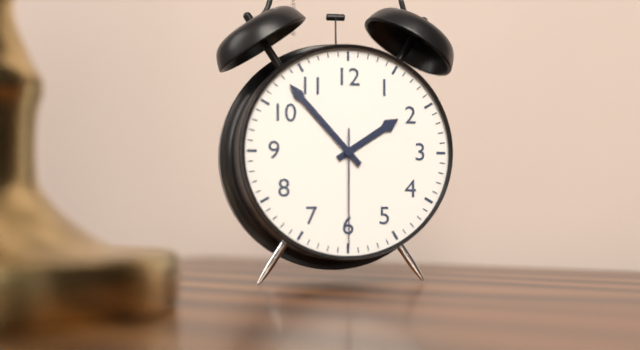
h=1 m=53 s=30
